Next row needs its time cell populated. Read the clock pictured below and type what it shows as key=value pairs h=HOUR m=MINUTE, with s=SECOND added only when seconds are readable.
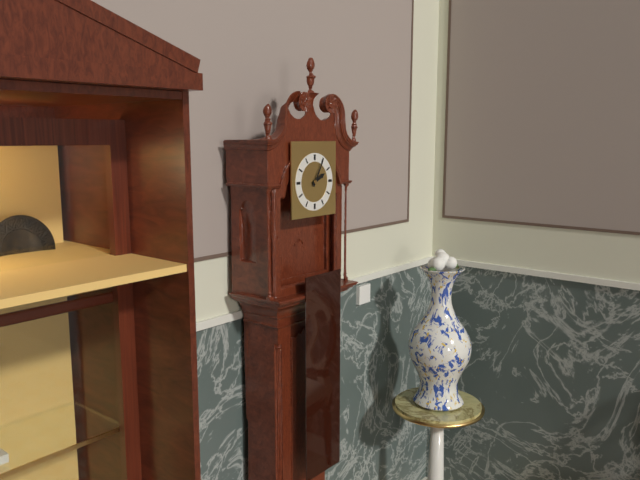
h=2 m=5
